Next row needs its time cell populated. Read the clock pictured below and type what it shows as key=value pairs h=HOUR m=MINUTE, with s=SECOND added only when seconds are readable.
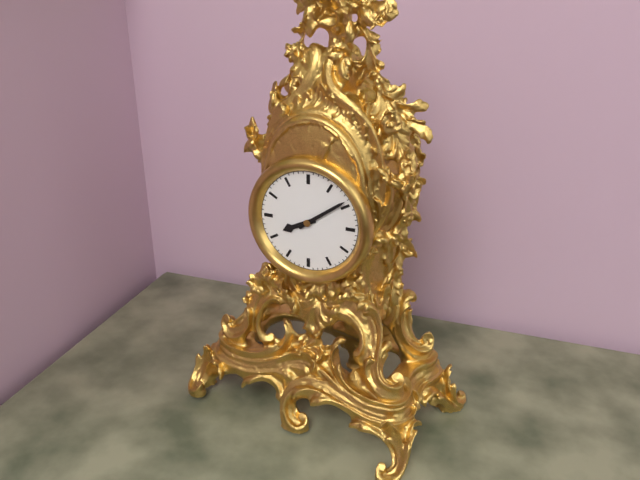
h=8 m=9
